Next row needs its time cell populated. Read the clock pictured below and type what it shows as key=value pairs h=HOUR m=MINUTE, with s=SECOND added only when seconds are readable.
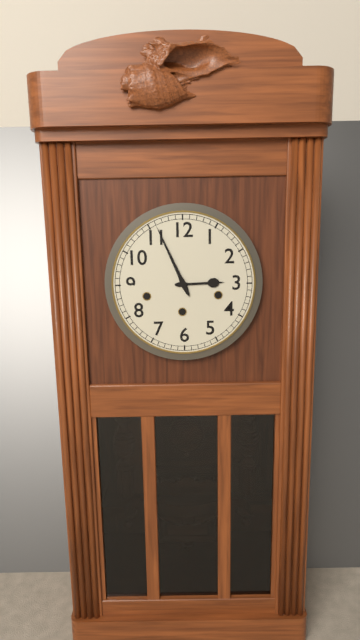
h=2 m=56
